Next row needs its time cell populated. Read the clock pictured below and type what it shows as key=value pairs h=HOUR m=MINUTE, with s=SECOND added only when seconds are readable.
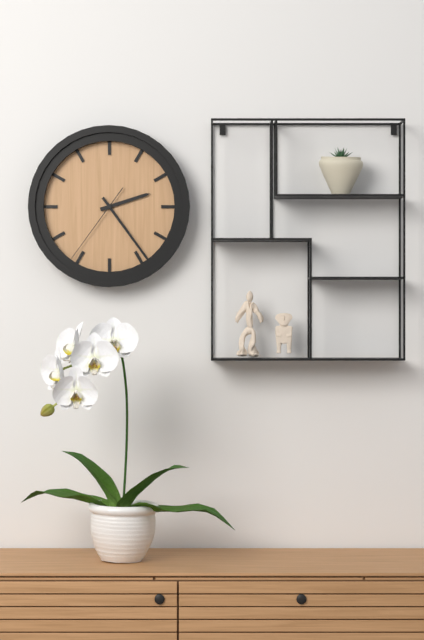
h=2 m=24 s=36
